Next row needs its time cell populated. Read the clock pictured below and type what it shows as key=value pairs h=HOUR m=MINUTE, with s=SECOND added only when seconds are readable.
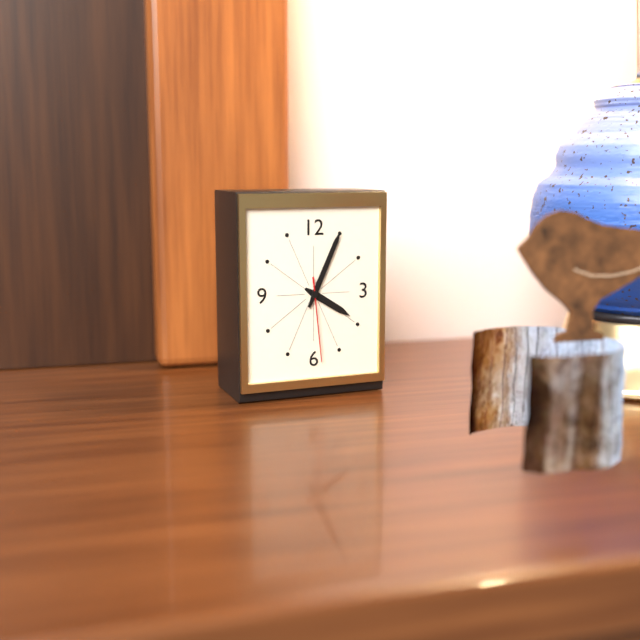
h=4 m=4 s=29
